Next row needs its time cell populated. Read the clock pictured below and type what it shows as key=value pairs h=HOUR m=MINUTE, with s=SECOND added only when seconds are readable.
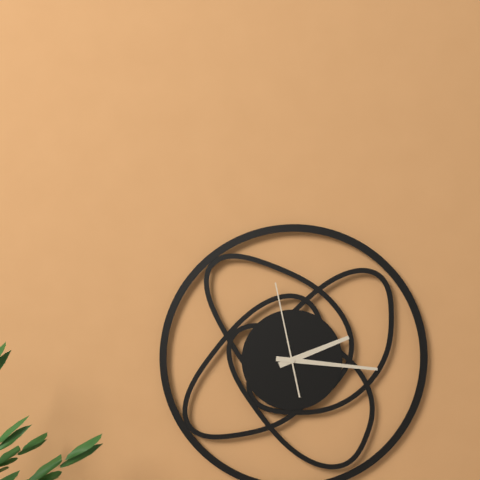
h=2 m=16 s=58
